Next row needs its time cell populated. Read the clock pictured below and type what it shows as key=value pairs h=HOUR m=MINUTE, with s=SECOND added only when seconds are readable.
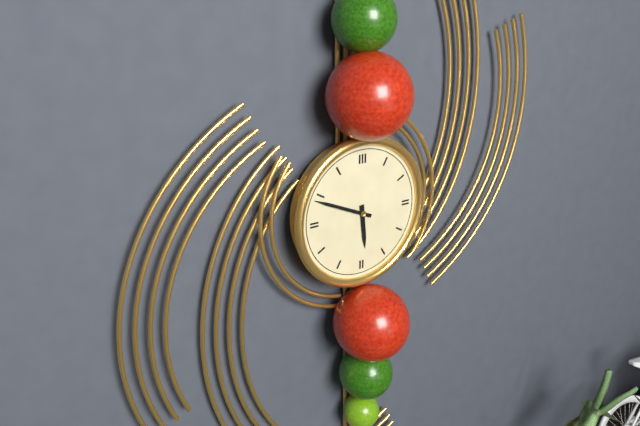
h=5 m=49
